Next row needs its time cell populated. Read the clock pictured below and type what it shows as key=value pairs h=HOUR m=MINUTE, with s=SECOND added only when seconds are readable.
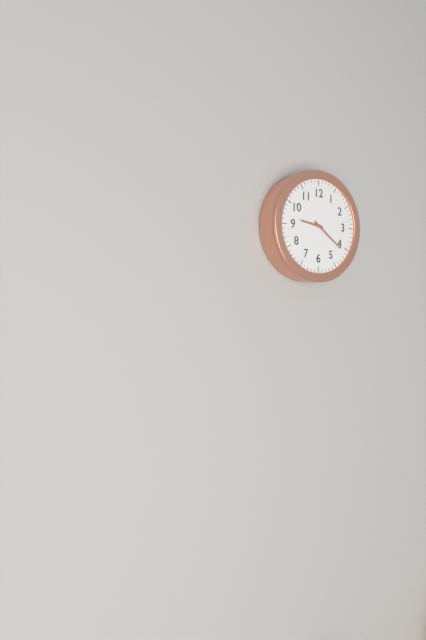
h=9 m=21
